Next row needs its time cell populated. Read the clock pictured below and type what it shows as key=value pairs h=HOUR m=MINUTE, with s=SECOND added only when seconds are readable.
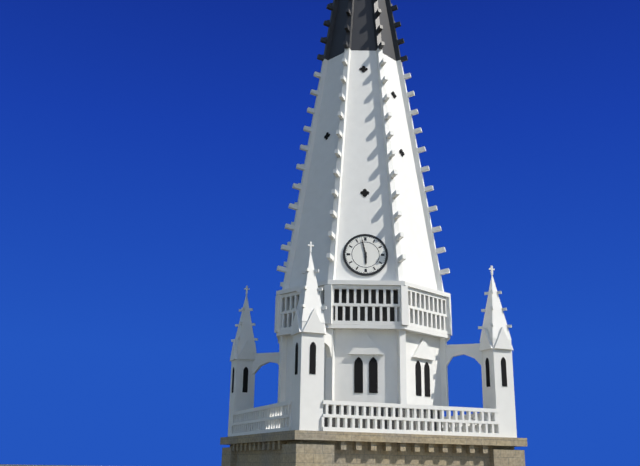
h=5 m=58
